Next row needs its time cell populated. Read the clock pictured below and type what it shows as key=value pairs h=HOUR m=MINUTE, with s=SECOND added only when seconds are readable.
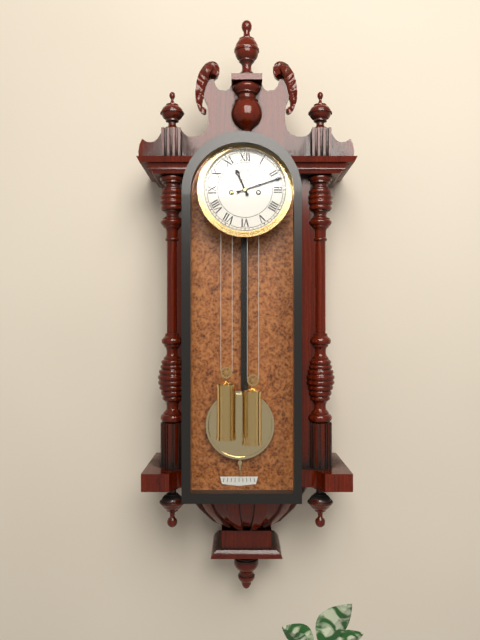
h=11 m=12
